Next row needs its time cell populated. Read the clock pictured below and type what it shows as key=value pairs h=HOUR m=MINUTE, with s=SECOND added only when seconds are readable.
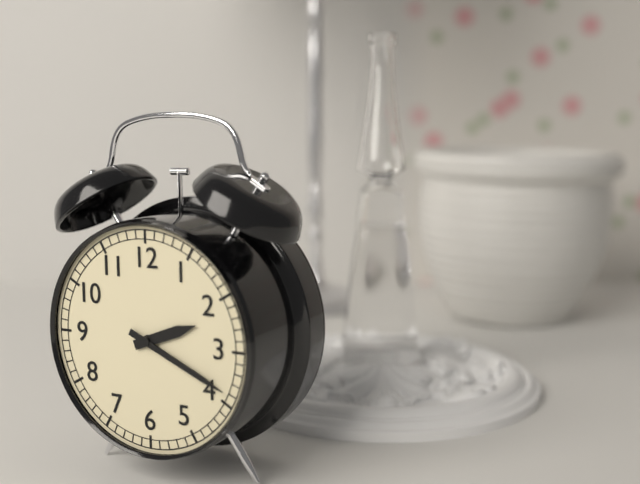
h=2 m=19
